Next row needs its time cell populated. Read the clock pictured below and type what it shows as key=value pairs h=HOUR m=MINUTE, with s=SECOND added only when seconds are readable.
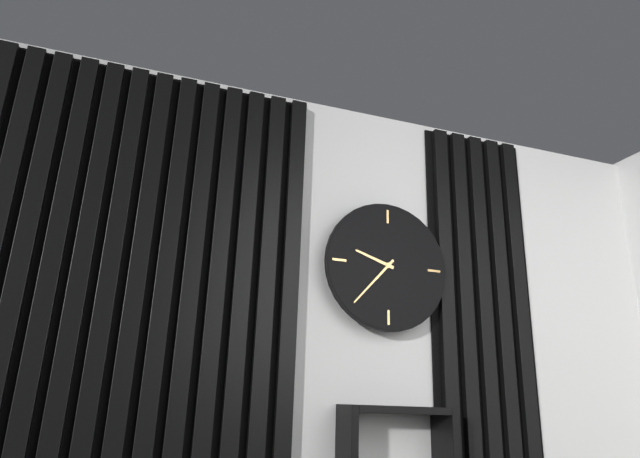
h=9 m=37
